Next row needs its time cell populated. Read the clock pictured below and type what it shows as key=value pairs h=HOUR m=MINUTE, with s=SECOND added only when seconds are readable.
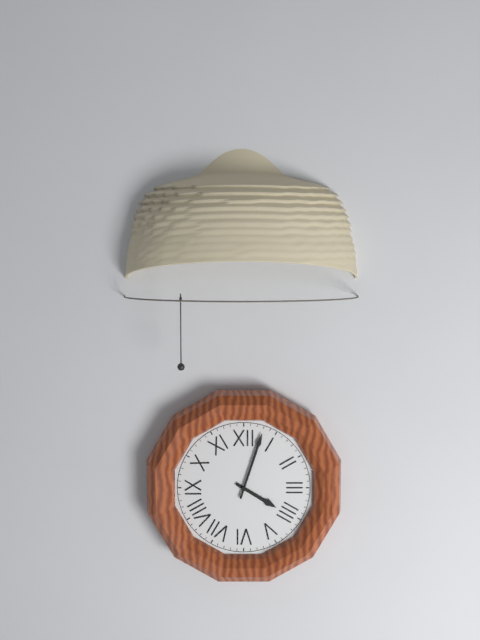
h=4 m=3
